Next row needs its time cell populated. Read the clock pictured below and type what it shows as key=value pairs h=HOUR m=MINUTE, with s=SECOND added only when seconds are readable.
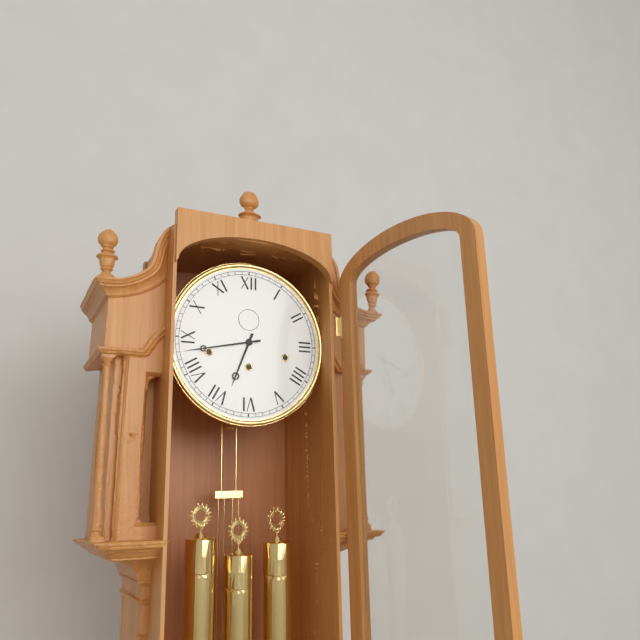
h=6 m=43
